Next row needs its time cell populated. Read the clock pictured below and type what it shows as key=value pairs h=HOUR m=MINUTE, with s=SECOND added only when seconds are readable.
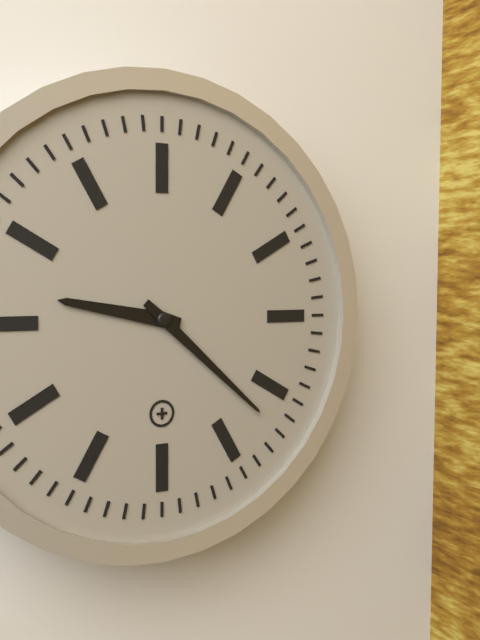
h=9 m=22
